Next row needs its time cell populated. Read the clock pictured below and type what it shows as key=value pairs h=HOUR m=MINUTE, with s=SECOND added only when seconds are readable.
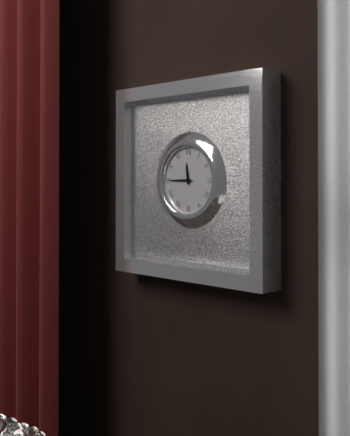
h=11 m=45
